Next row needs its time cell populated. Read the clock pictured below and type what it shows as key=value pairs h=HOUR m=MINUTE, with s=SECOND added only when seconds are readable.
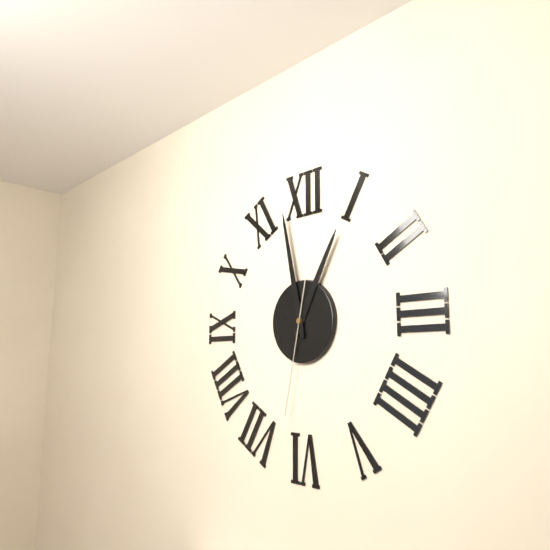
h=12 m=58 s=32
